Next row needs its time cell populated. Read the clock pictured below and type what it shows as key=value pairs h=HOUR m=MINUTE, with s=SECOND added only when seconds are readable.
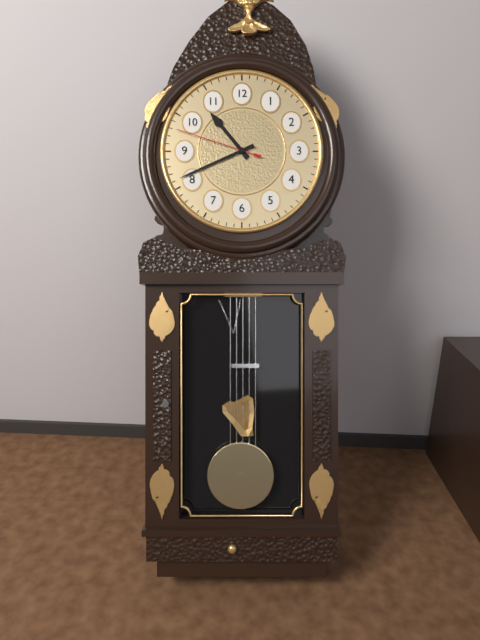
h=10 m=41 s=48
